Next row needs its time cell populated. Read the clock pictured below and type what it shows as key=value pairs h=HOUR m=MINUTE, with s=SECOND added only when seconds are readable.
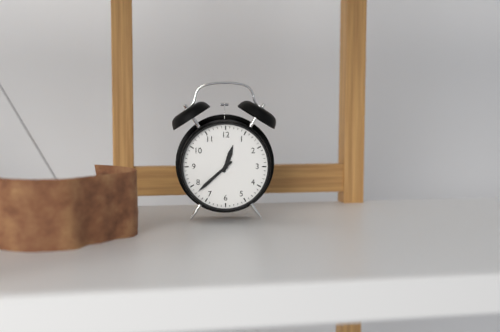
h=12 m=38
